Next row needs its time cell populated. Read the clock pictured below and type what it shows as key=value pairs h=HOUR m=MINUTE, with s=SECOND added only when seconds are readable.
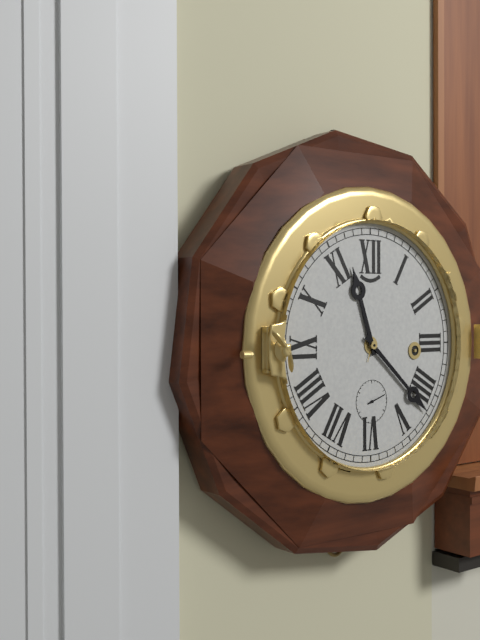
h=11 m=22 s=12
